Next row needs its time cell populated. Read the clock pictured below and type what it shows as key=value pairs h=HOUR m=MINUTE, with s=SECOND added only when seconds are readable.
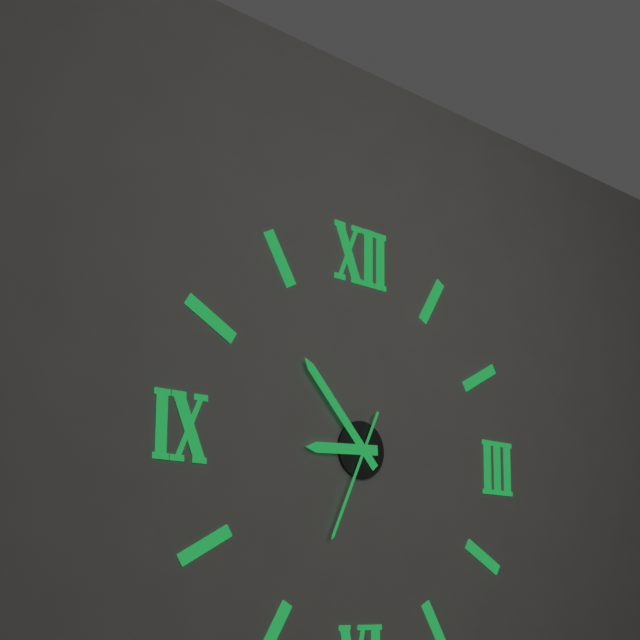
h=8 m=53 s=34
